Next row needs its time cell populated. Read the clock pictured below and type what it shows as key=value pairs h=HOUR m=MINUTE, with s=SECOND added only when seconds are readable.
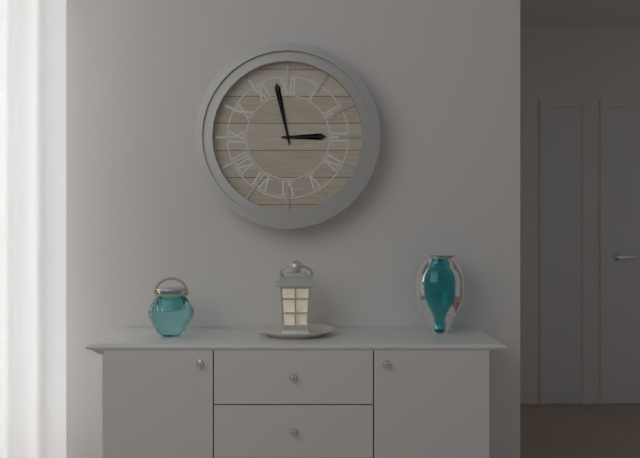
h=2 m=58
